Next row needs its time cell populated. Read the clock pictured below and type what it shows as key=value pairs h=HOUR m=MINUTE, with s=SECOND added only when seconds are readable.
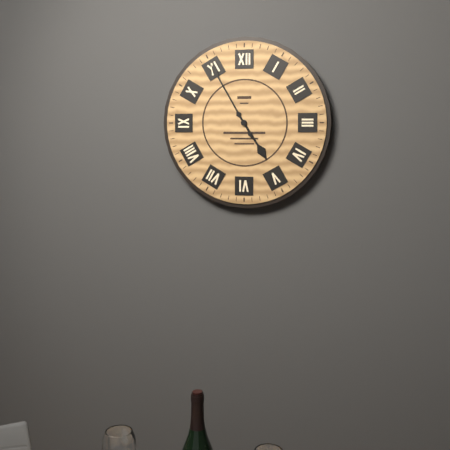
h=4 m=55
